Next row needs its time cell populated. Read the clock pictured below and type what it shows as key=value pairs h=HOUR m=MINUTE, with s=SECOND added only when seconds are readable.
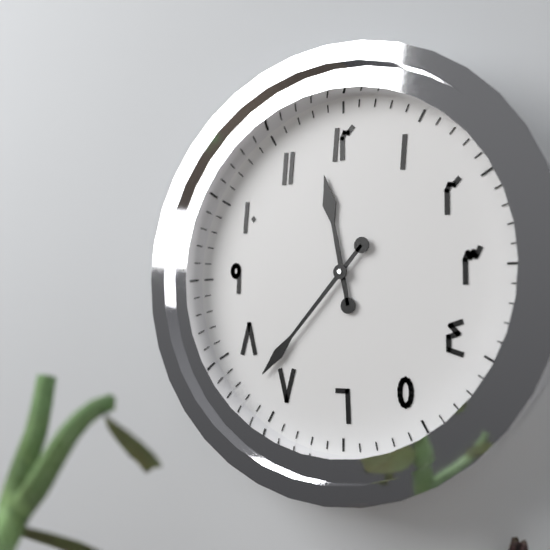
h=11 m=37
